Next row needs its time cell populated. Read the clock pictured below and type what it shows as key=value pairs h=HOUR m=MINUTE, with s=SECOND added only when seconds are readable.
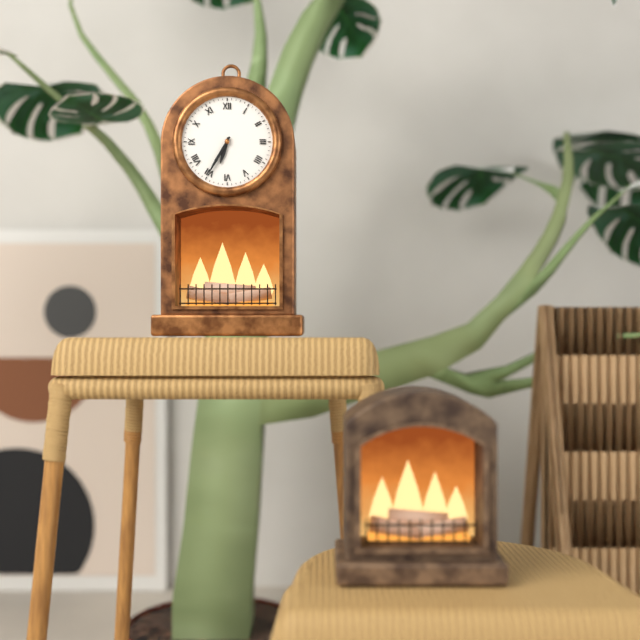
h=6 m=35
